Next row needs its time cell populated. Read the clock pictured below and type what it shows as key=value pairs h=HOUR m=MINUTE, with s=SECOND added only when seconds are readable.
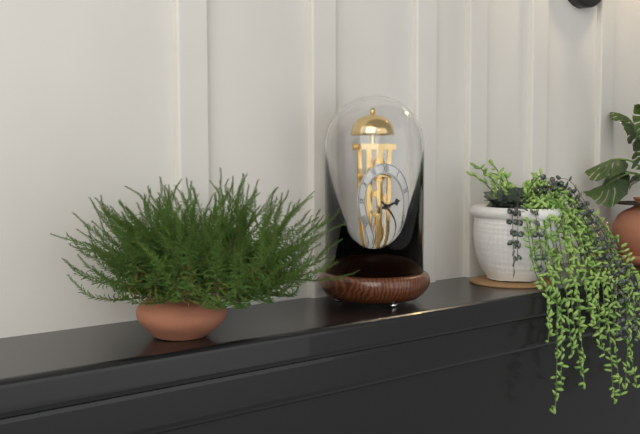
h=2 m=19
